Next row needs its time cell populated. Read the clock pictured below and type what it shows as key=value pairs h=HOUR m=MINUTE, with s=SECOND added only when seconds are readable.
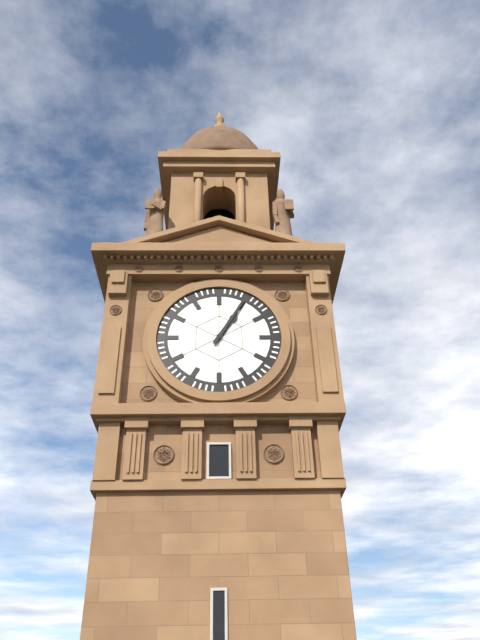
h=1 m=5
